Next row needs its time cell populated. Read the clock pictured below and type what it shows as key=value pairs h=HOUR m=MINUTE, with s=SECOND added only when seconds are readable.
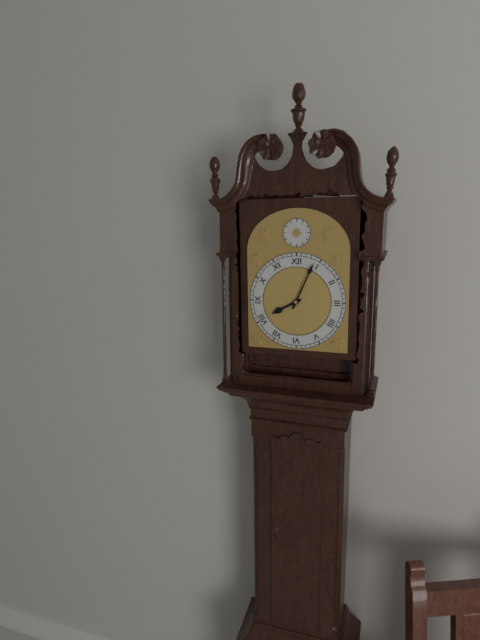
h=8 m=4
